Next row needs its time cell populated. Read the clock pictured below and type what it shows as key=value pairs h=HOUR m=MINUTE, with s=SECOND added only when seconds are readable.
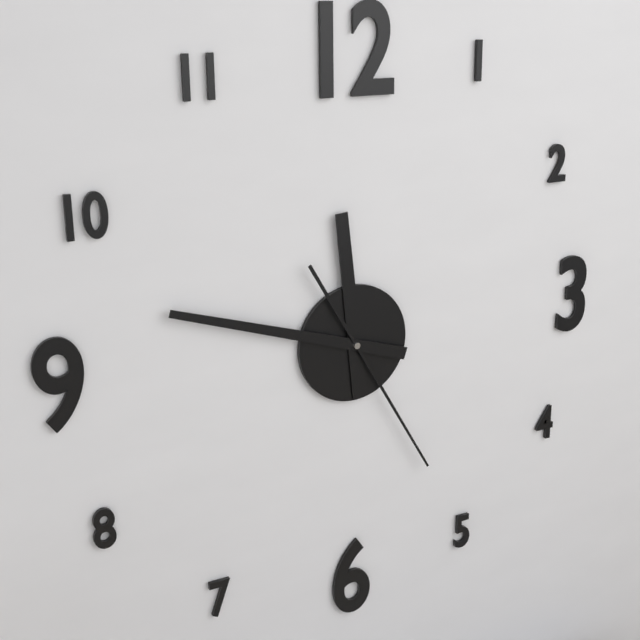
h=11 m=48 s=25
